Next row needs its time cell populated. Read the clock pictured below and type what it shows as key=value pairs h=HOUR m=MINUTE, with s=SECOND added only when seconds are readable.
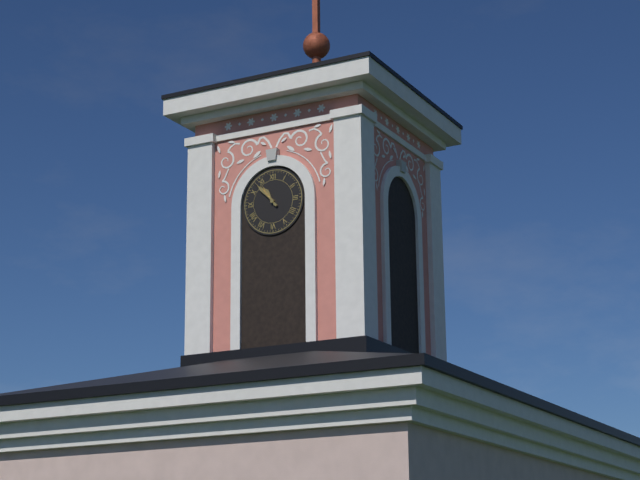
h=10 m=53
